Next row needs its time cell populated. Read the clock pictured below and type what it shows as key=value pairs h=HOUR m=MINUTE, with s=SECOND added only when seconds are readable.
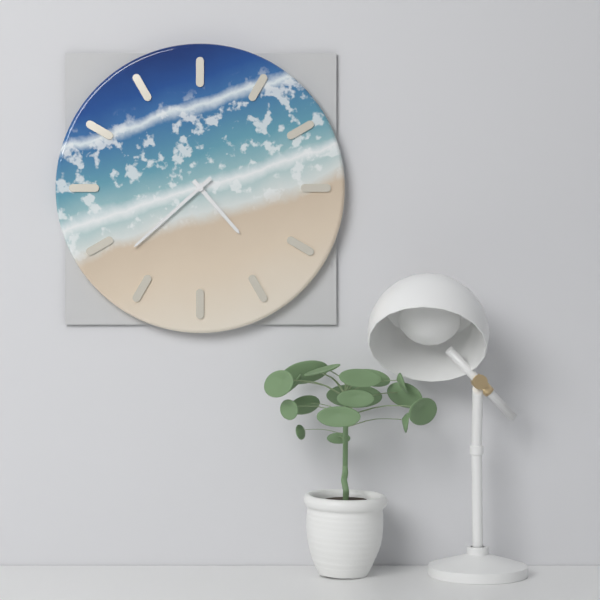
h=4 m=38
